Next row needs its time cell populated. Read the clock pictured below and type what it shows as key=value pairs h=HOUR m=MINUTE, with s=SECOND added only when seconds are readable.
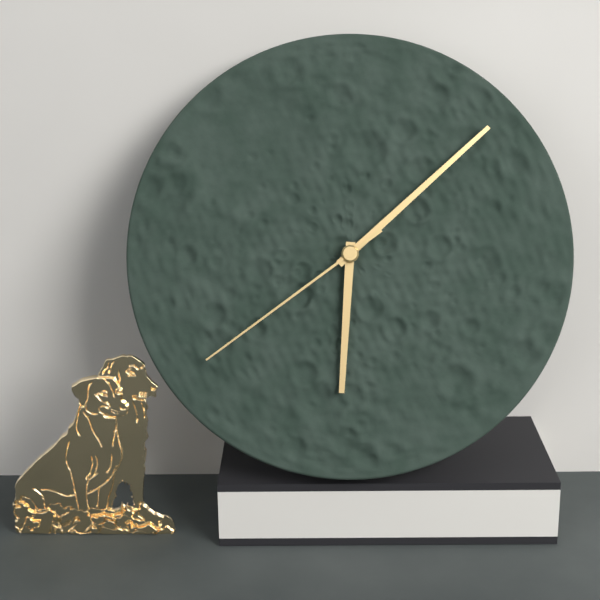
h=6 m=8 s=39
